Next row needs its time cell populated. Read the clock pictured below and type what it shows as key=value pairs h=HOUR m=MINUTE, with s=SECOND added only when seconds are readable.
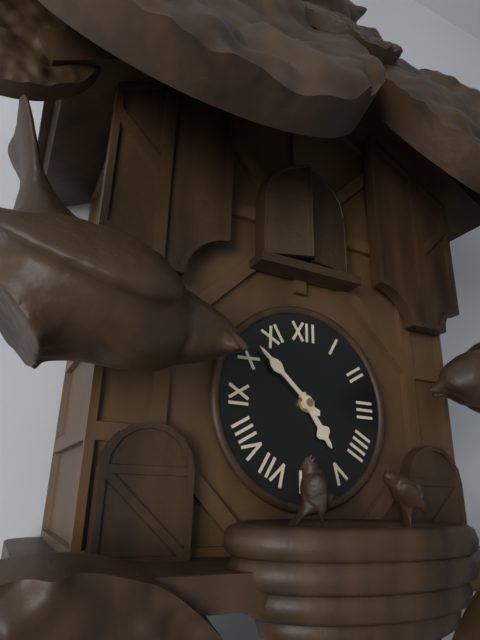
h=4 m=52
